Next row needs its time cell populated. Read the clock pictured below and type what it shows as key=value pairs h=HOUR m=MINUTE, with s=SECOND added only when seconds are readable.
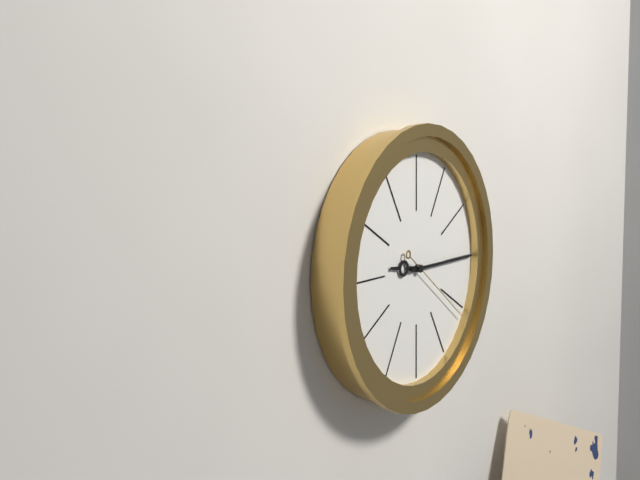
h=9 m=15 s=21
